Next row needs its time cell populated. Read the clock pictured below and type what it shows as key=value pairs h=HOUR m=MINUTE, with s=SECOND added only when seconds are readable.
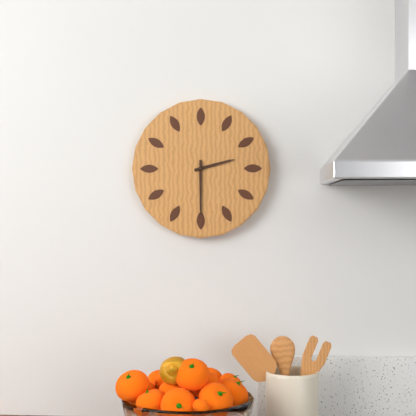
h=2 m=30
